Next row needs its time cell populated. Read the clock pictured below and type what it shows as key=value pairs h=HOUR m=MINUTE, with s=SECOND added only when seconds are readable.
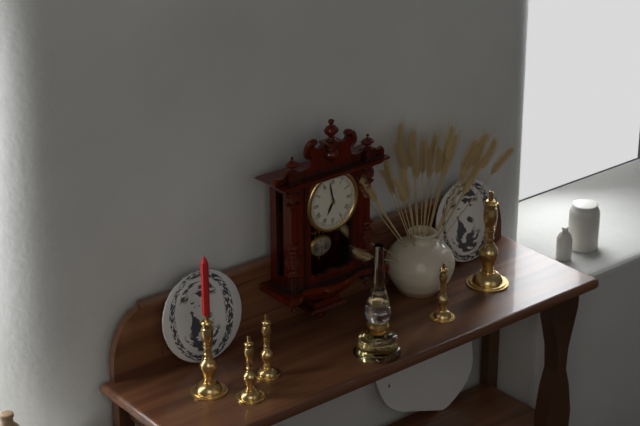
h=6 m=58
